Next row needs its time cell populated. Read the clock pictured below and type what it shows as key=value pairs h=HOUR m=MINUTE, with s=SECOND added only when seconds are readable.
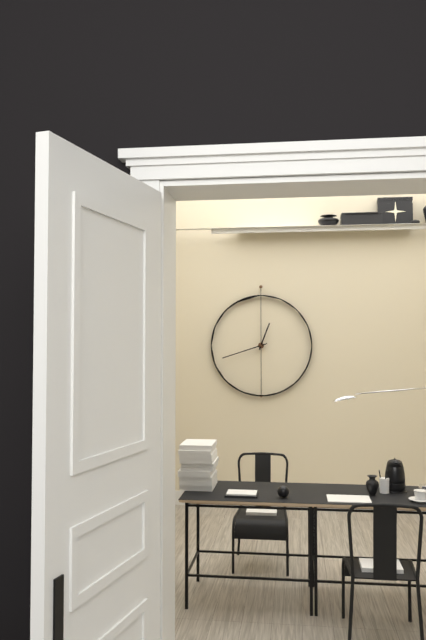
h=12 m=42
